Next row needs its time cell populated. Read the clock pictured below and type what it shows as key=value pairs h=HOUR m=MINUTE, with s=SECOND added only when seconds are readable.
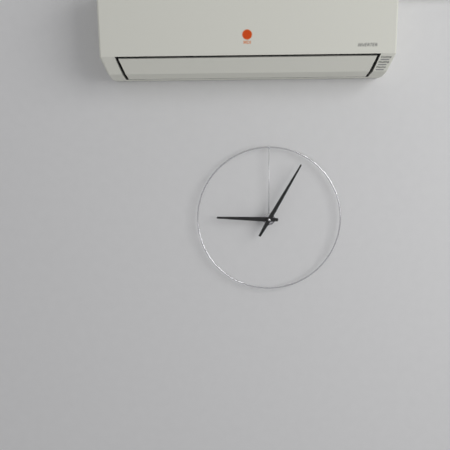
h=9 m=5
